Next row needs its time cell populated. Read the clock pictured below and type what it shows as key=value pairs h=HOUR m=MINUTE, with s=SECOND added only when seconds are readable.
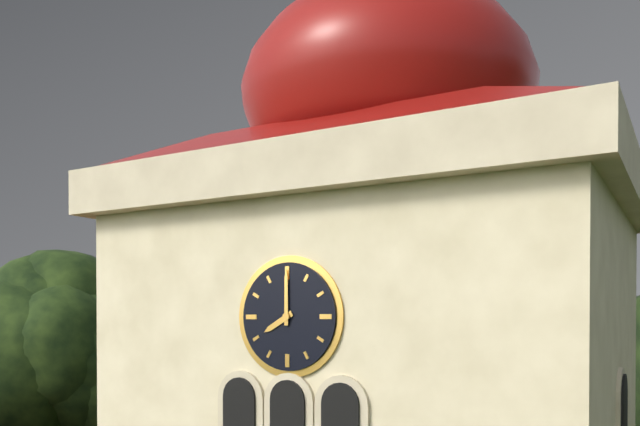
h=8 m=0
